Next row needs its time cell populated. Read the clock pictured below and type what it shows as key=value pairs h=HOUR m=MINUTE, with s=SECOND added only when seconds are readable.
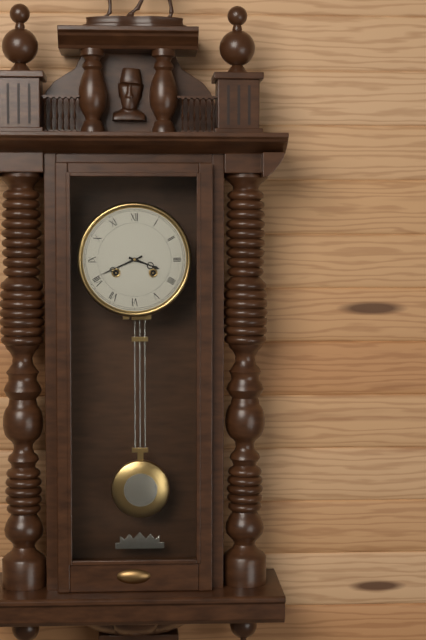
h=3 m=41
